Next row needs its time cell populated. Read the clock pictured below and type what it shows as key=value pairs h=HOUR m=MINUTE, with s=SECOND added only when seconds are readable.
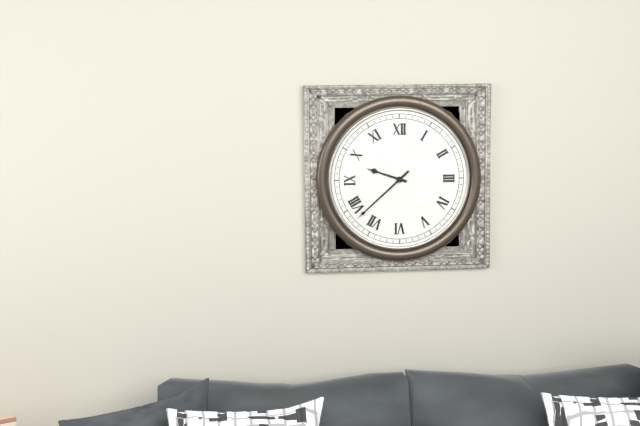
h=9 m=38
